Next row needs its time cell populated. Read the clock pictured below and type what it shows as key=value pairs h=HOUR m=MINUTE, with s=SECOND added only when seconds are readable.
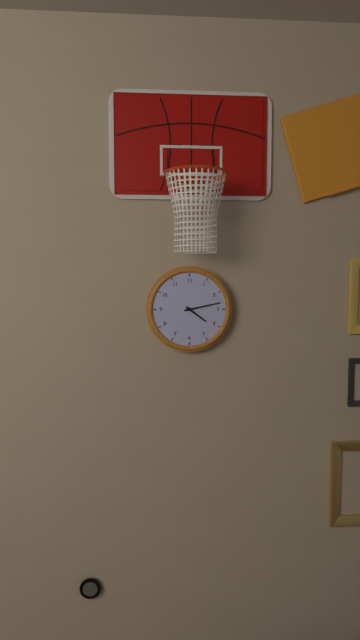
h=4 m=13
